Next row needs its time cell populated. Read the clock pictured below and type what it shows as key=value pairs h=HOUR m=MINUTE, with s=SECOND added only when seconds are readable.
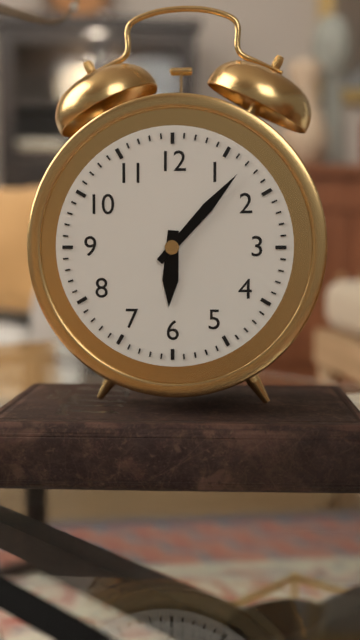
h=6 m=7
